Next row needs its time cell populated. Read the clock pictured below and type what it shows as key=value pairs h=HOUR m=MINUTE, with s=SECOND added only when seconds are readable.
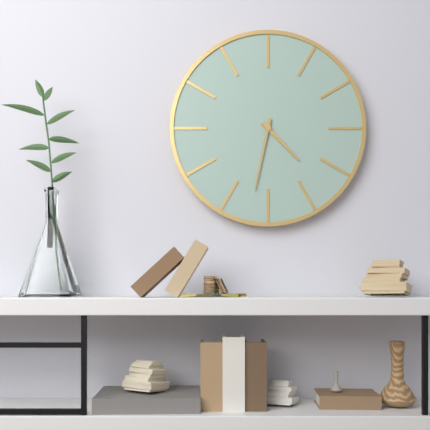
h=4 m=32
